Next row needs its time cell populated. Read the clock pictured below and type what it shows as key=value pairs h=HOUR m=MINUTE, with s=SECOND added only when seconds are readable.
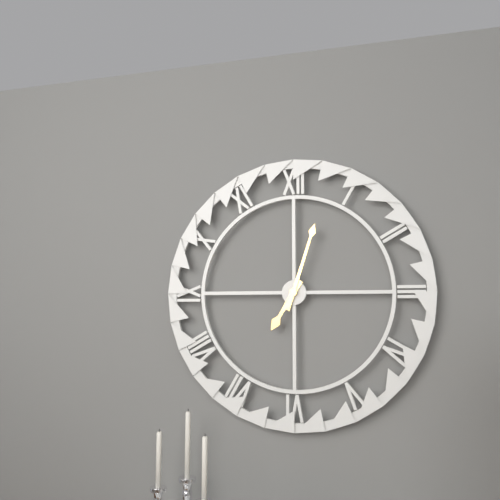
h=7 m=3
